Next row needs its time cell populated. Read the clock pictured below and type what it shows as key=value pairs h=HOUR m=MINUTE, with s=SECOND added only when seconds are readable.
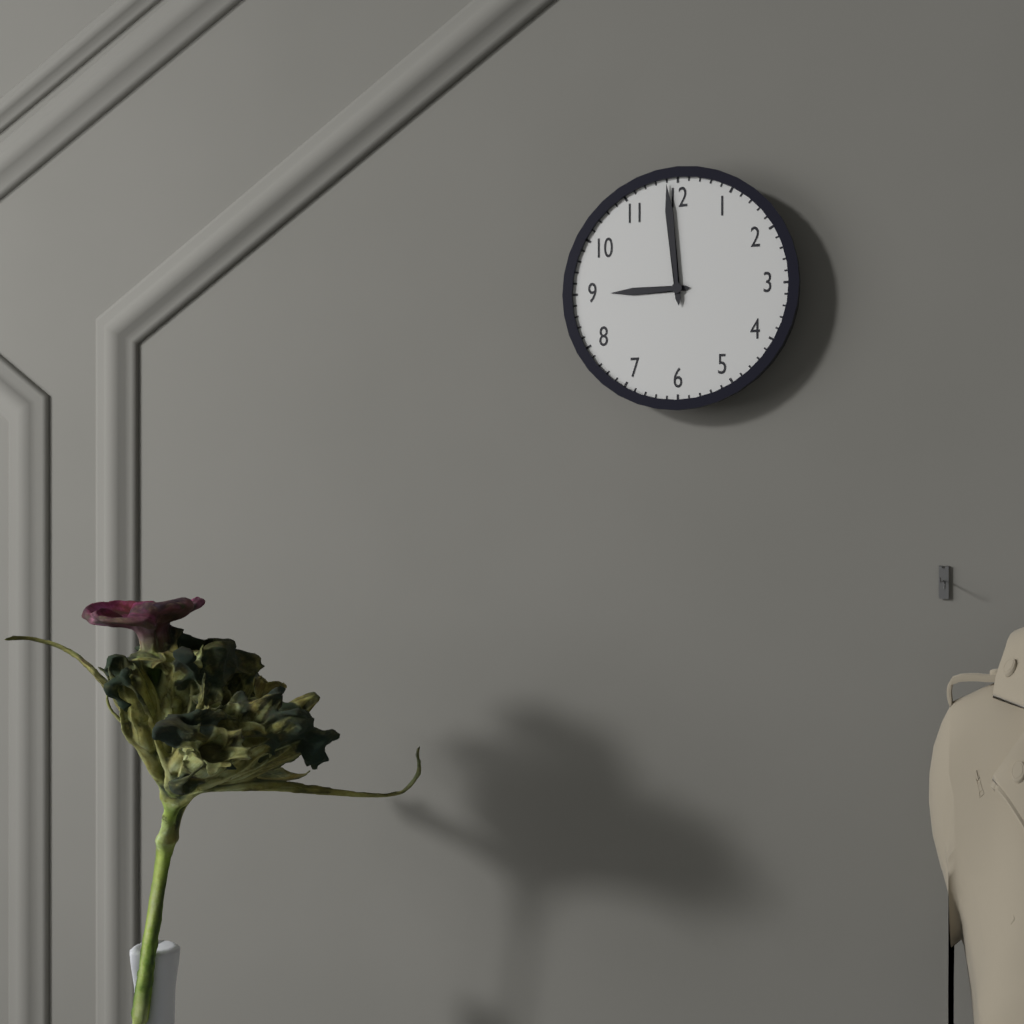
h=8 m=59
